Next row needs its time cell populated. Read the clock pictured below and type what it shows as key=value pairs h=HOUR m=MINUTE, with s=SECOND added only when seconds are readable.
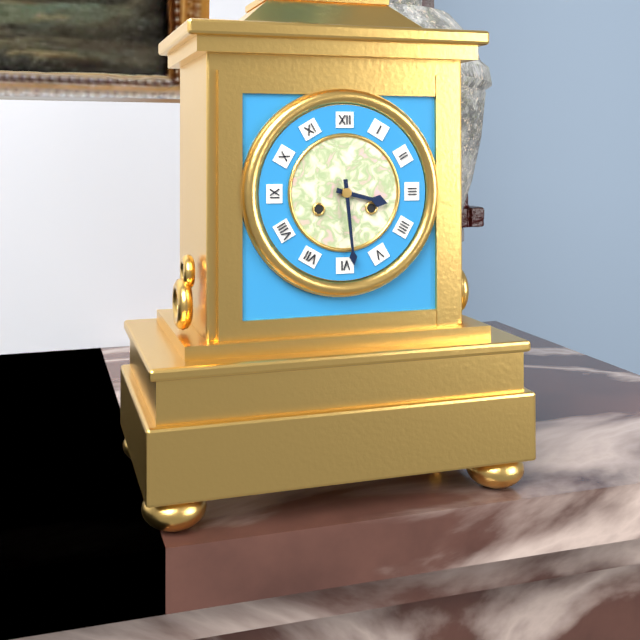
h=3 m=29
